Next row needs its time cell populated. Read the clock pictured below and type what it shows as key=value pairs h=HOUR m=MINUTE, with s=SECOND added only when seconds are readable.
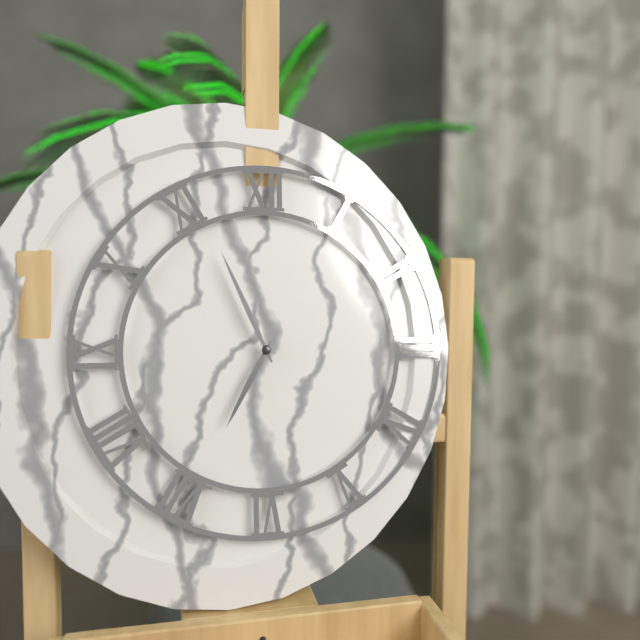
h=6 m=56
